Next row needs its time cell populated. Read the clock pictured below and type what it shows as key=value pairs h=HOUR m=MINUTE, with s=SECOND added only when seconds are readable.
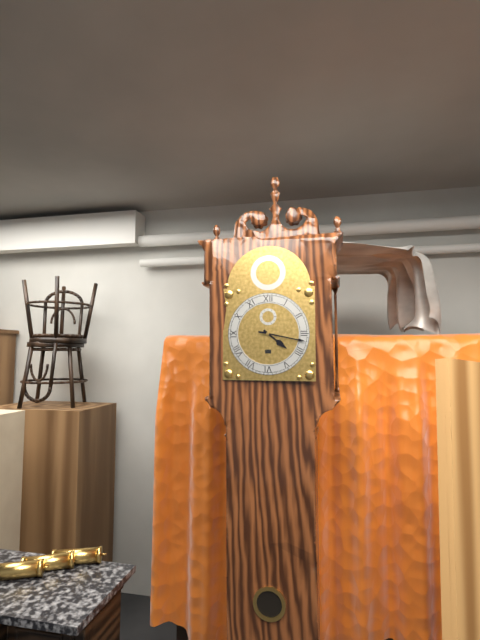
h=4 m=17
